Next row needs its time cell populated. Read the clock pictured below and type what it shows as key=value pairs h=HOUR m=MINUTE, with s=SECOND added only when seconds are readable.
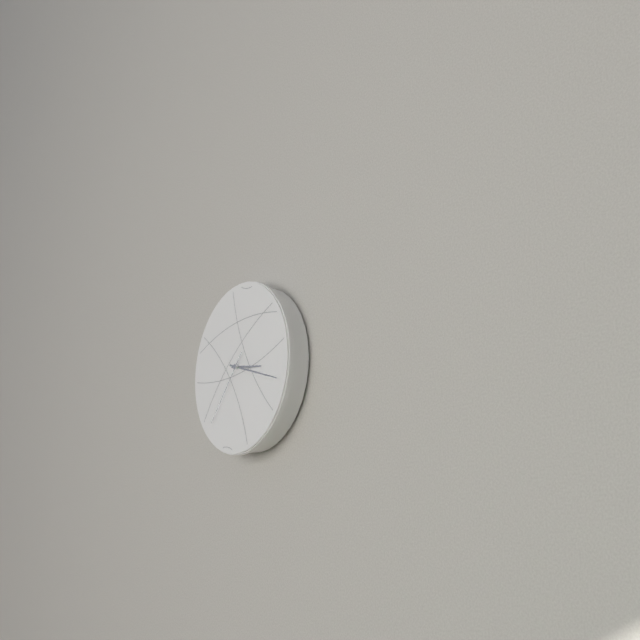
h=3 m=18 s=37
